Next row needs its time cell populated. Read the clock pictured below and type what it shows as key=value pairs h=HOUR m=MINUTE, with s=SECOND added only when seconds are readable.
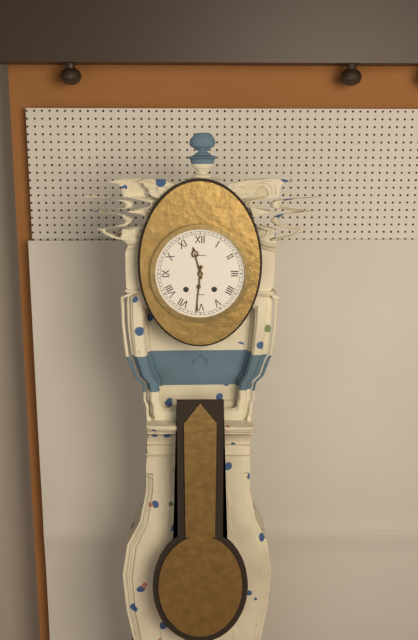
h=11 m=31
